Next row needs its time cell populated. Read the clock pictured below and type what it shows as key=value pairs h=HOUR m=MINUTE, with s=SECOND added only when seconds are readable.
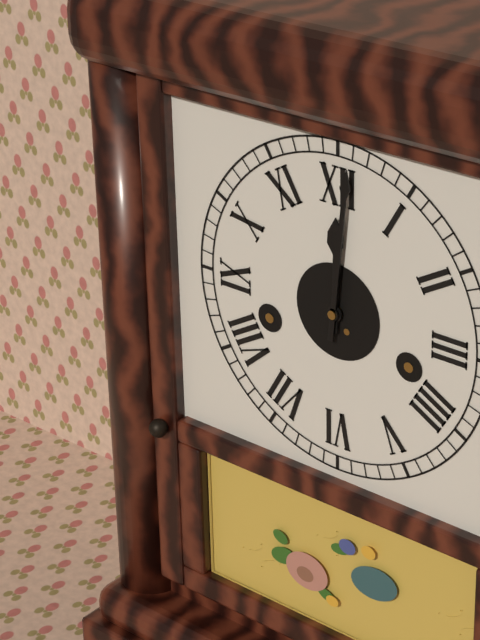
h=12 m=1
